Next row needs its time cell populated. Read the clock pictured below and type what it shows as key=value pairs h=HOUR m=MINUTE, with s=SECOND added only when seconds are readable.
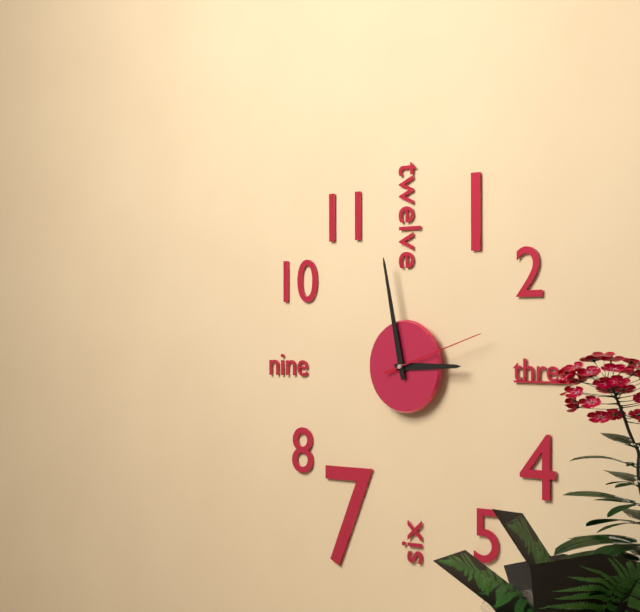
h=2 m=58 s=12
